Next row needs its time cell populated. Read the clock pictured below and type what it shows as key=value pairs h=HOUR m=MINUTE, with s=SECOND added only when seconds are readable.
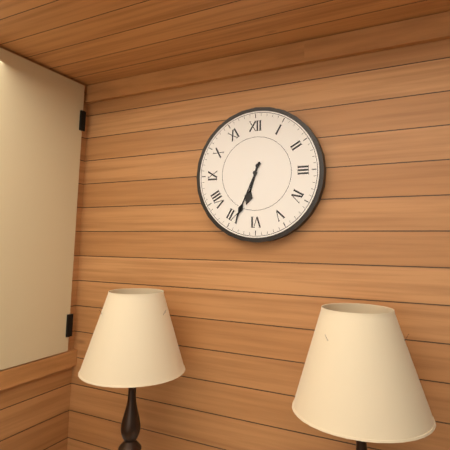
h=6 m=34
